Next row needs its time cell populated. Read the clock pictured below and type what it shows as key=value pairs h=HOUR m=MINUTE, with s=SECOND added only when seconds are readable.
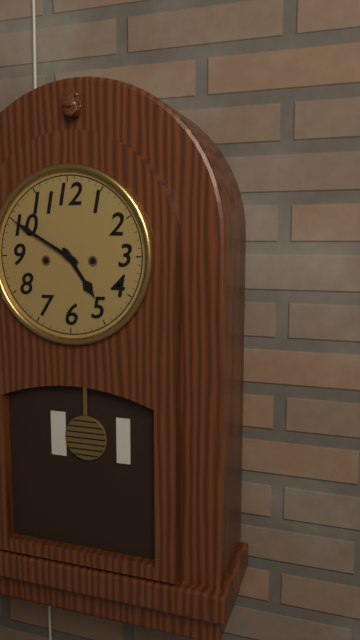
h=4 m=50
